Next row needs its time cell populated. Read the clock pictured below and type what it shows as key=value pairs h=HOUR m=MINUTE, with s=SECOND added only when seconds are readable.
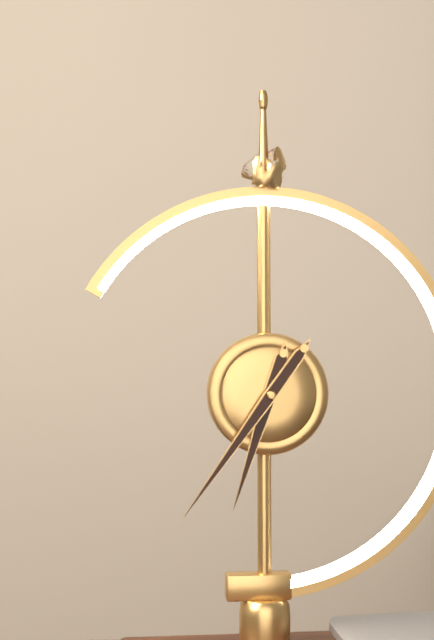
h=6 m=36
